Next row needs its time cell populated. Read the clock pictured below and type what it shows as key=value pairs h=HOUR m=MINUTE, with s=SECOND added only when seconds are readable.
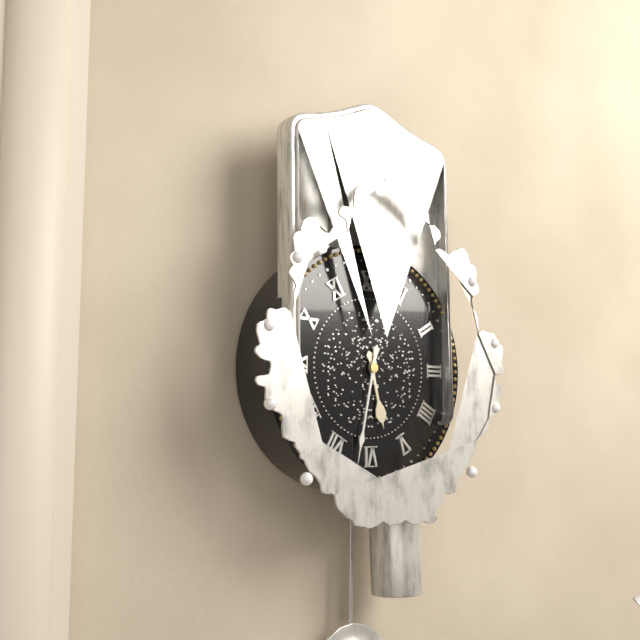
h=5 m=32
